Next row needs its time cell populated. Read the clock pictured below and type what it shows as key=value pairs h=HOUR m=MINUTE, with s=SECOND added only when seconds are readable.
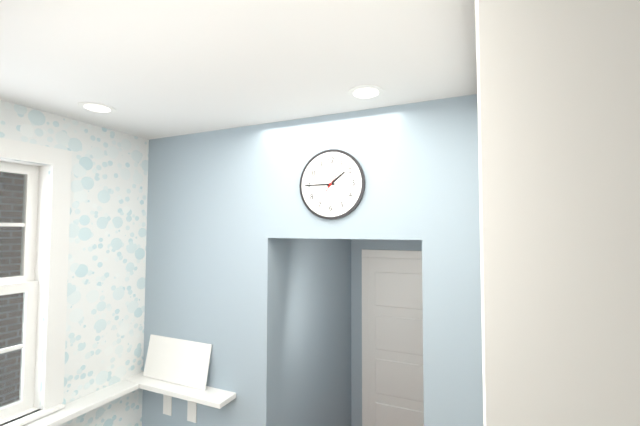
h=1 m=45
